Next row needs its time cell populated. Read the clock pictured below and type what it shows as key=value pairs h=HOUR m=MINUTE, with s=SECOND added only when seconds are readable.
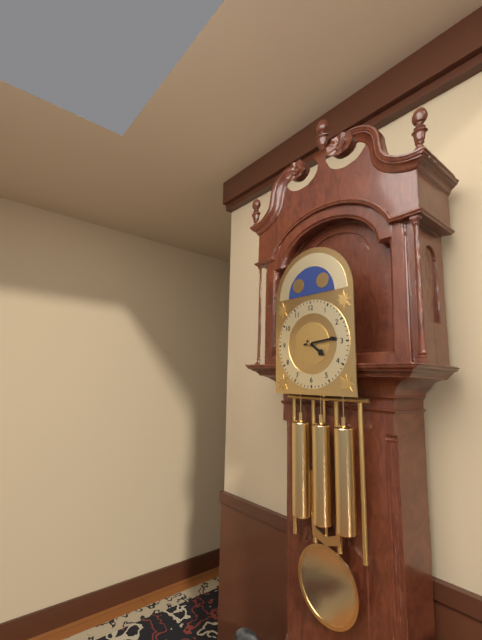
h=4 m=14
